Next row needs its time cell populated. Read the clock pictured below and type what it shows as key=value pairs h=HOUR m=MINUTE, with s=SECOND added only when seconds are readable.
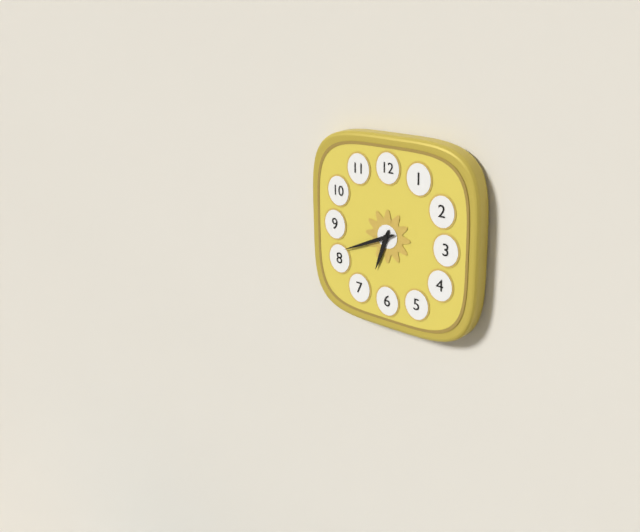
h=6 m=41
